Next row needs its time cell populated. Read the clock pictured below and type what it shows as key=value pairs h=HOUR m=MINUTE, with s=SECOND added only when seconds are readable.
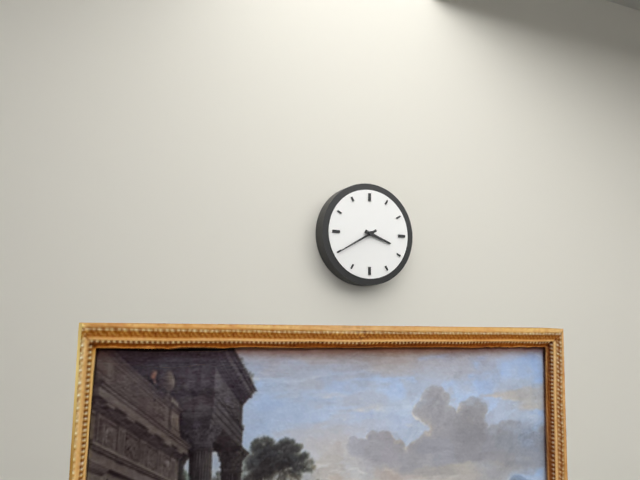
h=3 m=40
